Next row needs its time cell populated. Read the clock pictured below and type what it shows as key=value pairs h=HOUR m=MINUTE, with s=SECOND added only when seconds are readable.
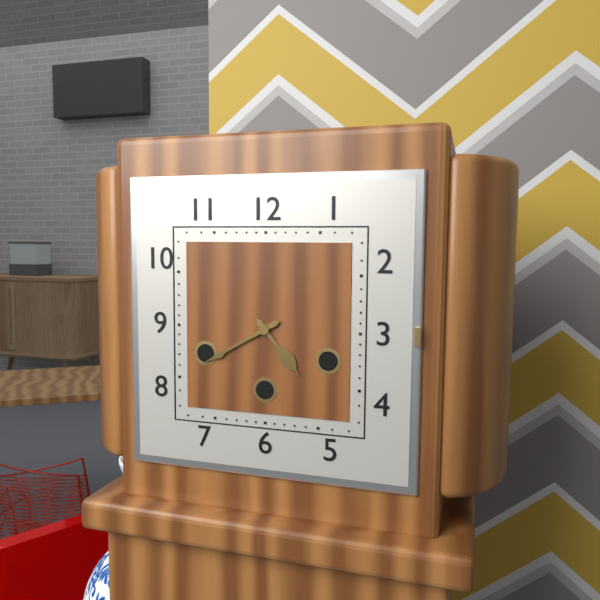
h=4 m=40
